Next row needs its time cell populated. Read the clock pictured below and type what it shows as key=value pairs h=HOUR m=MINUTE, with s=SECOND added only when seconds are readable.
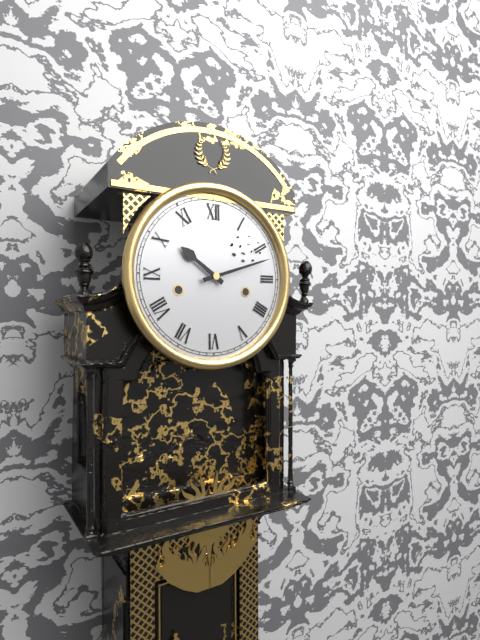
h=10 m=12
